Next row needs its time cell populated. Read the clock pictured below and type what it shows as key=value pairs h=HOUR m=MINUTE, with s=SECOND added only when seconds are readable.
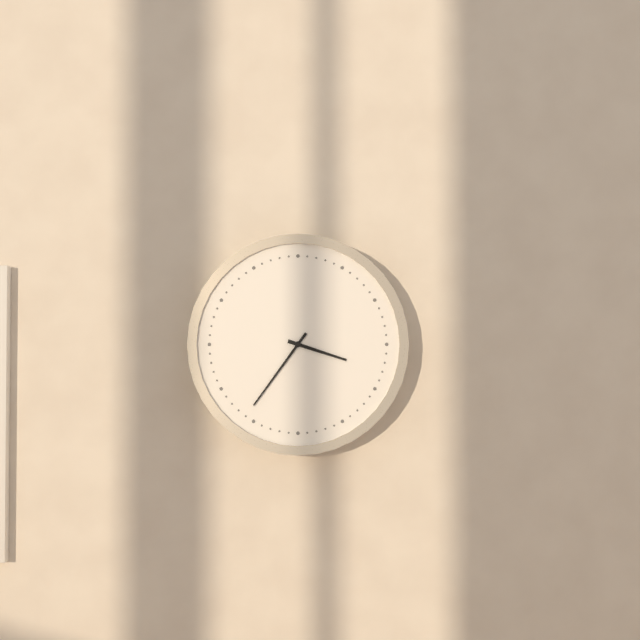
h=3 m=36
